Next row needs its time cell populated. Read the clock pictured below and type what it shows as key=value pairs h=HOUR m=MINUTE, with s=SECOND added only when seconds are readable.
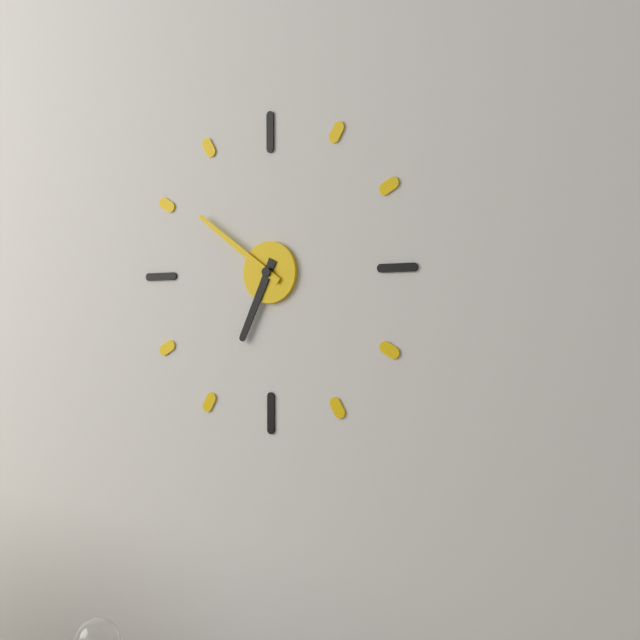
h=6 m=51
